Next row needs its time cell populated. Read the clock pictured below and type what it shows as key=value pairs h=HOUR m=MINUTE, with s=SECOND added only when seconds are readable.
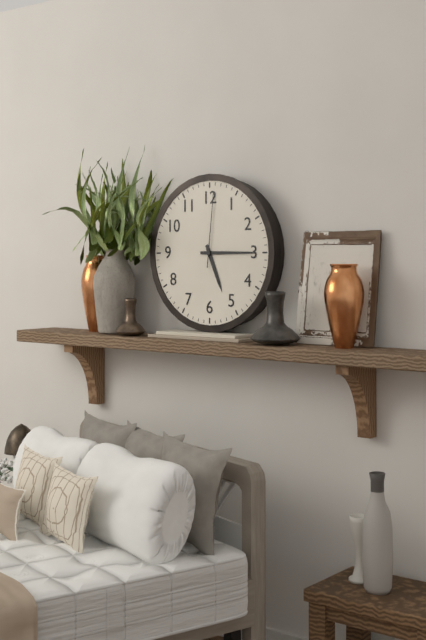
h=5 m=15 s=1
